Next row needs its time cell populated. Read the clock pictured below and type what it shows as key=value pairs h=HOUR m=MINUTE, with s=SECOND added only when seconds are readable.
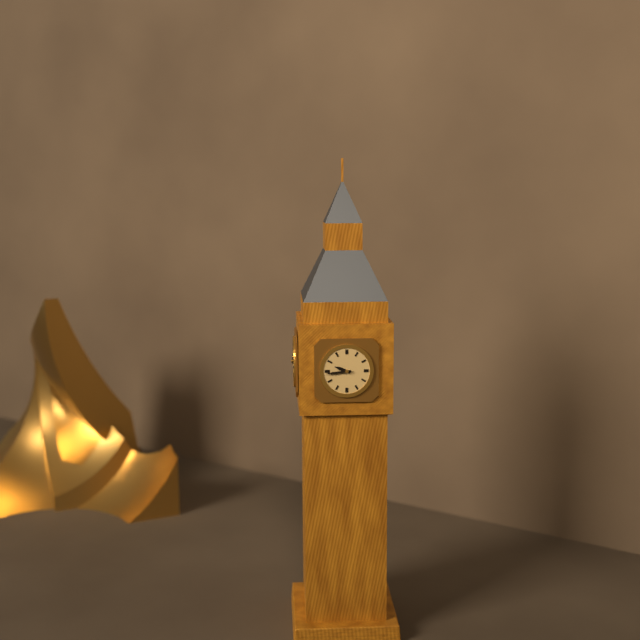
h=9 m=44
